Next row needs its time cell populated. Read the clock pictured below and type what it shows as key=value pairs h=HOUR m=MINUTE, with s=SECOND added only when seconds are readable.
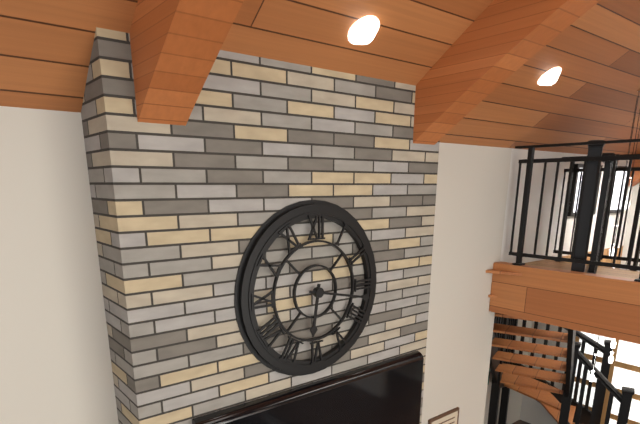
h=6 m=17
